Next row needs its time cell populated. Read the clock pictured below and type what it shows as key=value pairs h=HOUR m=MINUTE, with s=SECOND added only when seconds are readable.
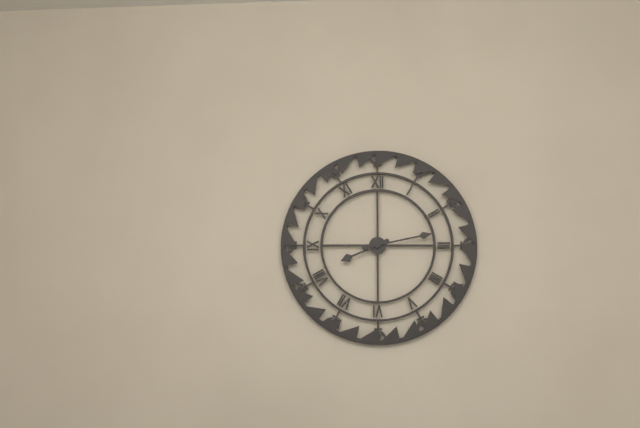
h=8 m=13
